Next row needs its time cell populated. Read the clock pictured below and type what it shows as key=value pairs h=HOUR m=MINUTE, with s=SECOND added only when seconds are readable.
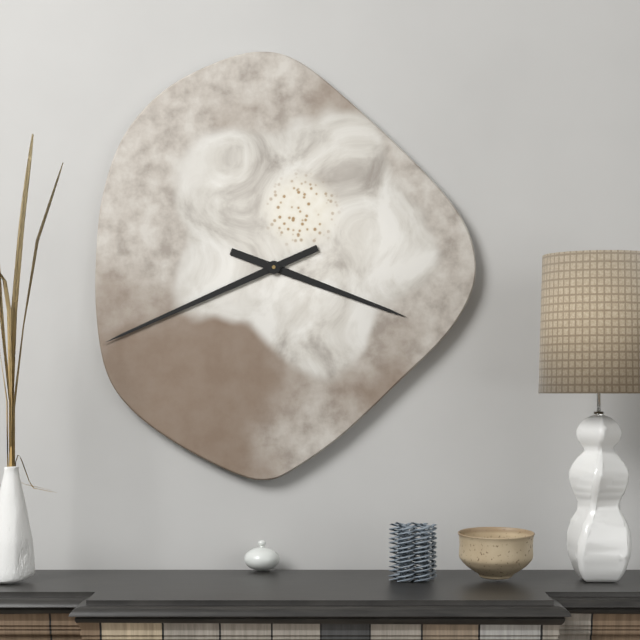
h=3 m=41
